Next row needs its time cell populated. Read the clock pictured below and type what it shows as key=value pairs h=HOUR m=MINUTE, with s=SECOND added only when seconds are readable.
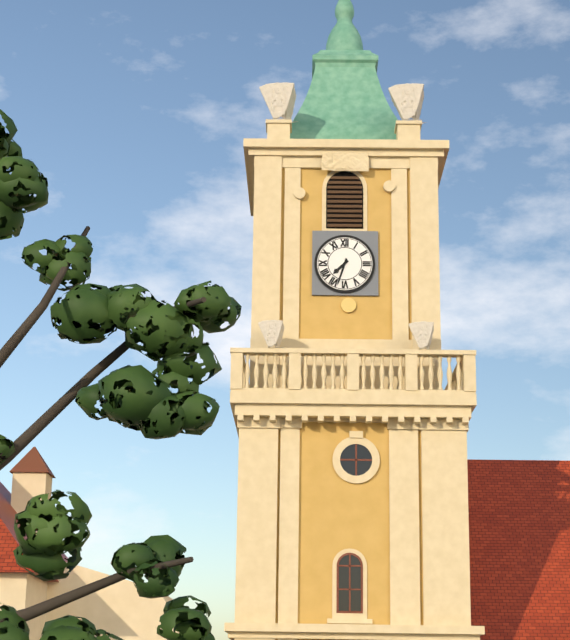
h=7 m=33
